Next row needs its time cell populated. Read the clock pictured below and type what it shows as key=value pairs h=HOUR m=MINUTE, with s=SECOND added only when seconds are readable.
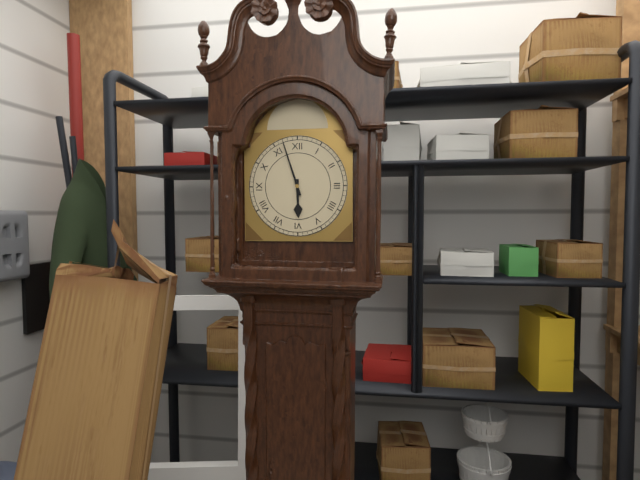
h=5 m=57
